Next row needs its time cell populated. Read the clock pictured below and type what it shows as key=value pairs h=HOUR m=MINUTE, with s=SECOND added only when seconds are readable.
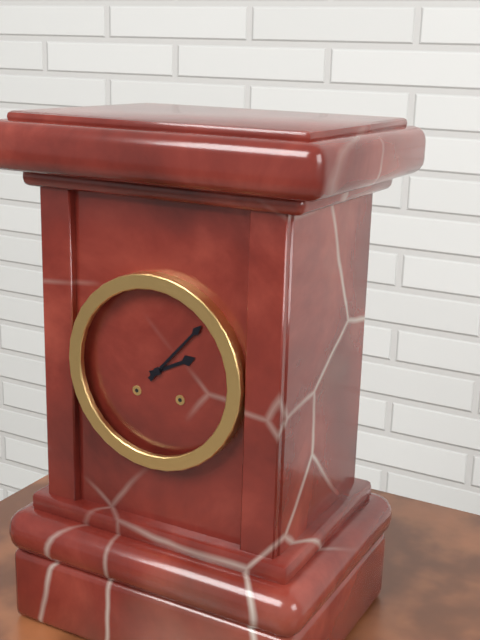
h=2 m=7
